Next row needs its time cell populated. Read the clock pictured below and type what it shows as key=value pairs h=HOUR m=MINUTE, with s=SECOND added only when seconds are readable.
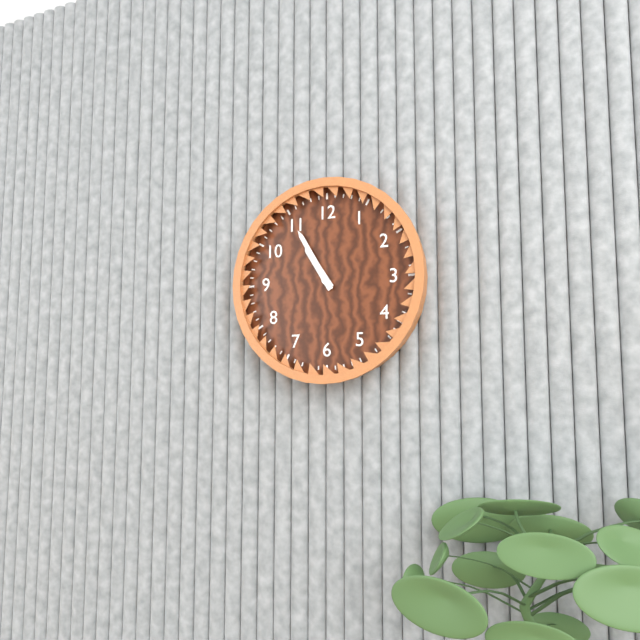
h=10 m=55
